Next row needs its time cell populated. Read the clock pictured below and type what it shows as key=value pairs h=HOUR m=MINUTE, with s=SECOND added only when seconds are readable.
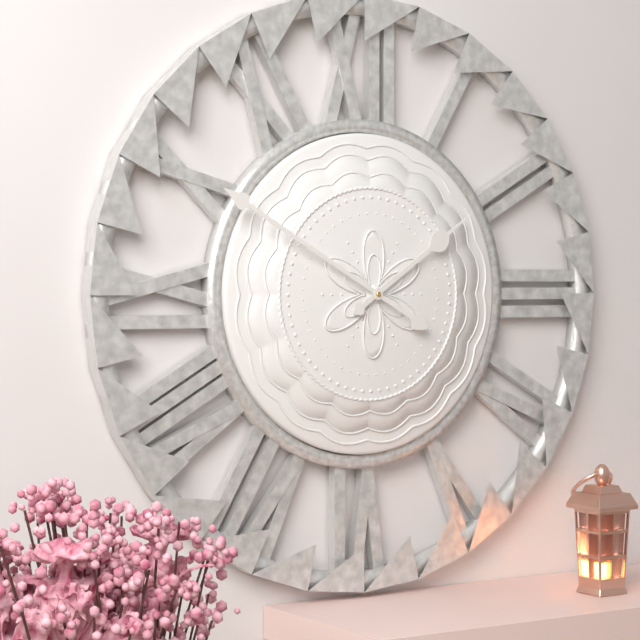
h=1 m=50
